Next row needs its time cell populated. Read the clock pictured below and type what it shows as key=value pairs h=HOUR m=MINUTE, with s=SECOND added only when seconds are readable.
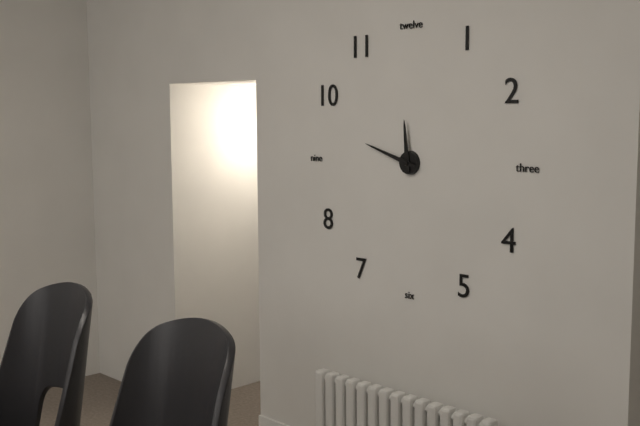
h=11 m=48
